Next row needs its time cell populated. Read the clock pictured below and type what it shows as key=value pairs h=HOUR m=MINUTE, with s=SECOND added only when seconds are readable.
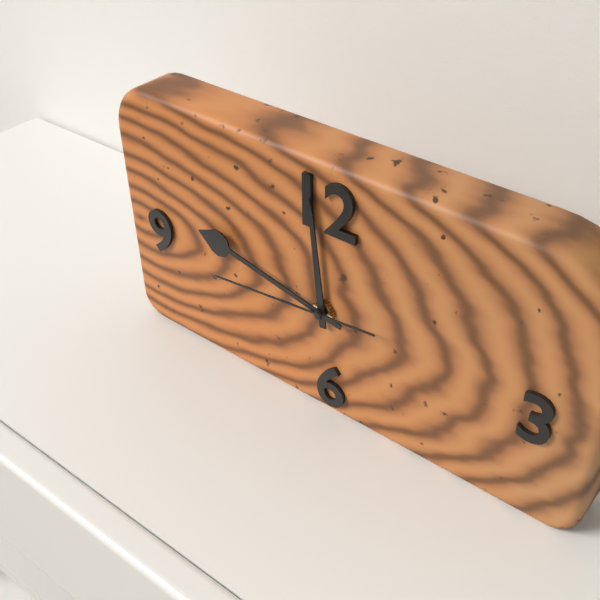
h=11 m=47 s=44
